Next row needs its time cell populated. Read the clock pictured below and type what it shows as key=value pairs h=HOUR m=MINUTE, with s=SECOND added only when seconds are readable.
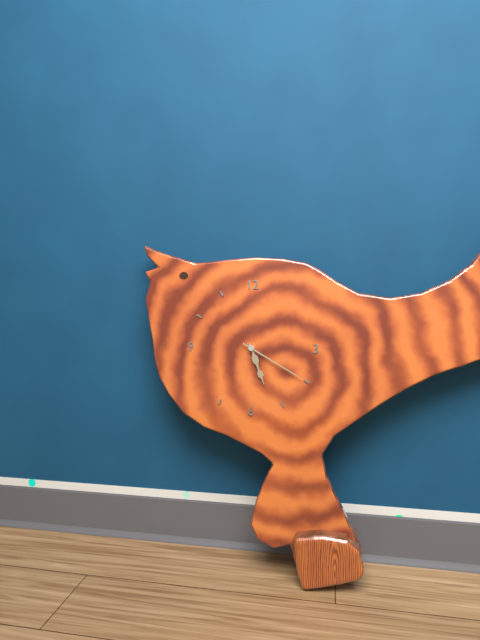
h=5 m=20
